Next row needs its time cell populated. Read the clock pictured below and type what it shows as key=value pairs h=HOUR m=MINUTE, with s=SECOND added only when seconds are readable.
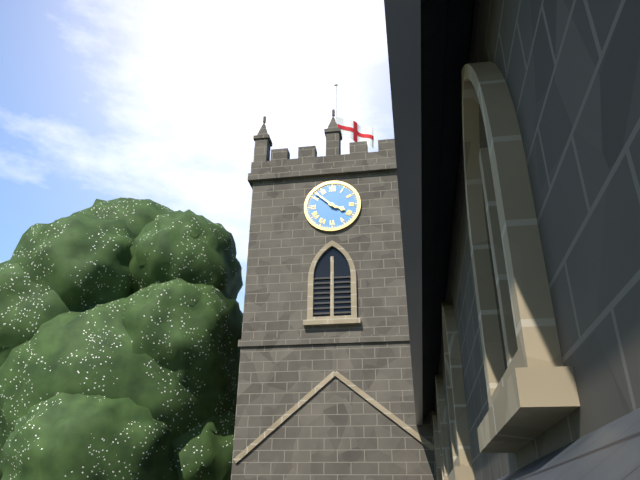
h=3 m=52
